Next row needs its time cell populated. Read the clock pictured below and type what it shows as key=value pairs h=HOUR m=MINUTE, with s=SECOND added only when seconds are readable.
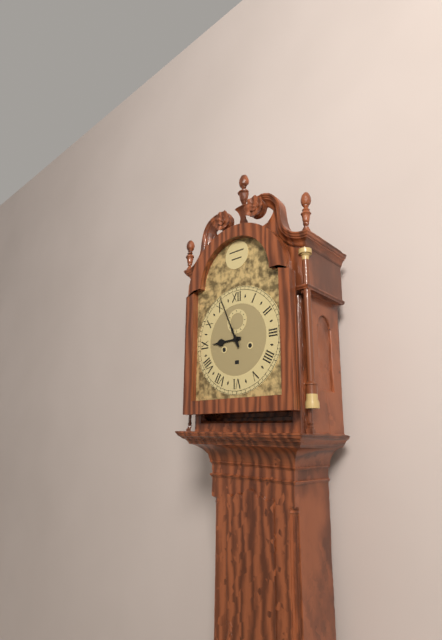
h=8 m=56
